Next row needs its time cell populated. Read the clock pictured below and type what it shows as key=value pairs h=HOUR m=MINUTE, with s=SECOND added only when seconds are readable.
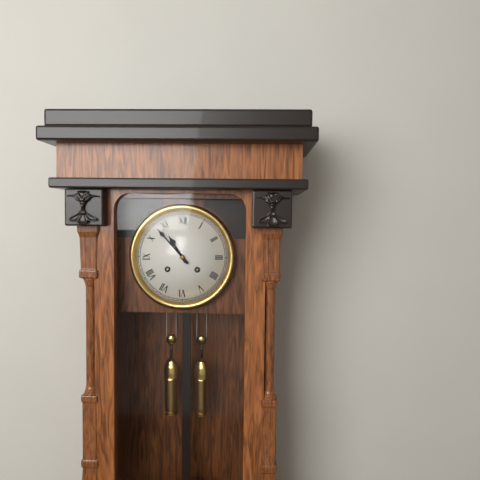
h=10 m=53
